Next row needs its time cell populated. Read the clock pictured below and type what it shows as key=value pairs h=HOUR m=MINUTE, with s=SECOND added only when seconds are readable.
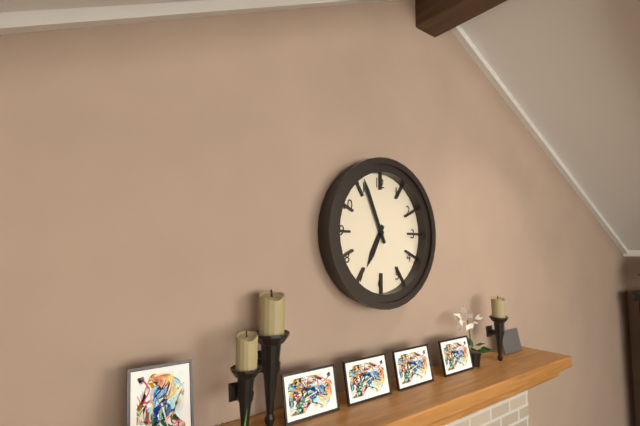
h=6 m=56
